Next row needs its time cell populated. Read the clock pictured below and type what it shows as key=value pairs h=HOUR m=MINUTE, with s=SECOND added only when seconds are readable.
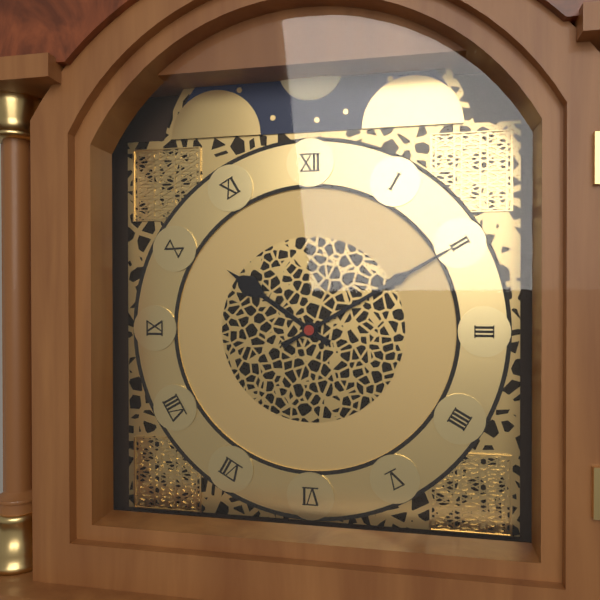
h=10 m=10
